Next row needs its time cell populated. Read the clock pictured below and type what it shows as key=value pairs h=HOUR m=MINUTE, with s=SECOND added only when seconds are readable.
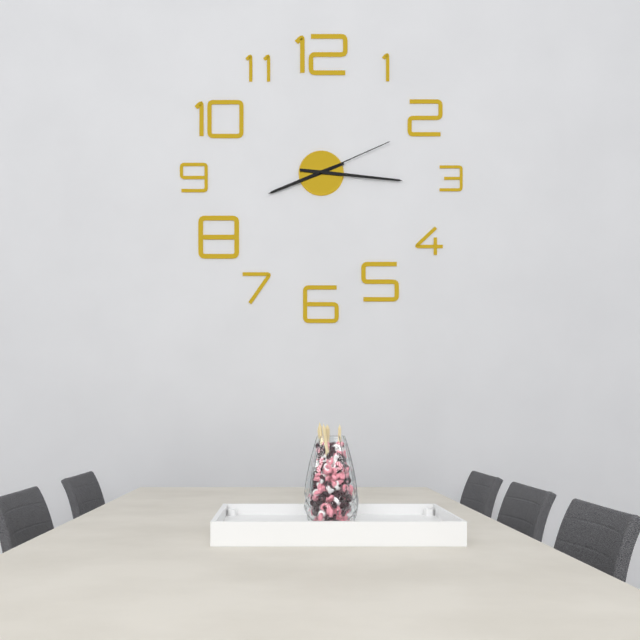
h=8 m=16 s=11
